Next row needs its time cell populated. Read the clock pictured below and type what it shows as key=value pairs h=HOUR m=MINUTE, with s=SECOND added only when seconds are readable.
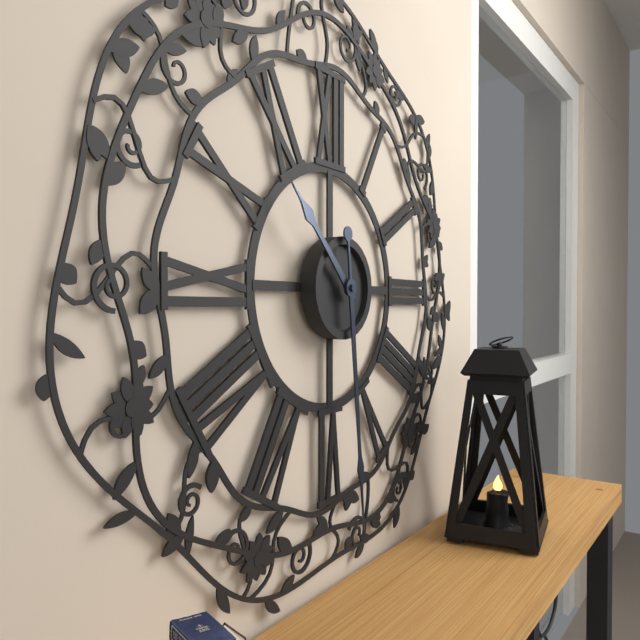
h=10 m=29
